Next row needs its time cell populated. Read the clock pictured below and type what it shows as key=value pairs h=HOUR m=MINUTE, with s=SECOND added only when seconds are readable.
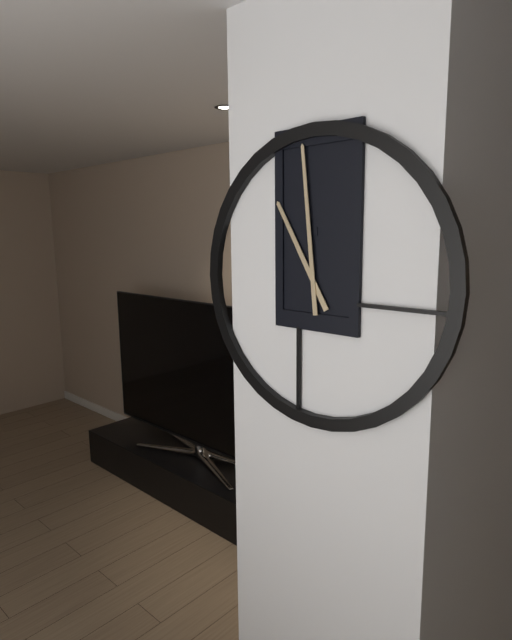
h=10 m=59
